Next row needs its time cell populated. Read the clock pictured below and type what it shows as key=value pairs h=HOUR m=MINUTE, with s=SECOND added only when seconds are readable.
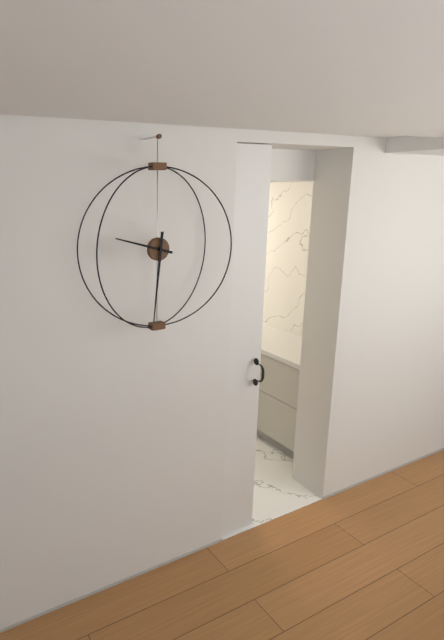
h=9 m=31
